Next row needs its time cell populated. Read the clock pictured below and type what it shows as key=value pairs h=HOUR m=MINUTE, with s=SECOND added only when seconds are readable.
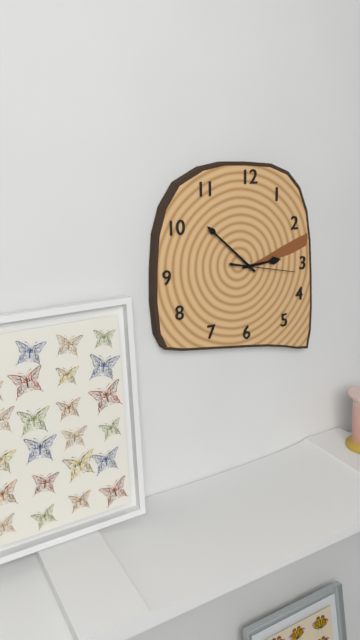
h=2 m=52 s=17
